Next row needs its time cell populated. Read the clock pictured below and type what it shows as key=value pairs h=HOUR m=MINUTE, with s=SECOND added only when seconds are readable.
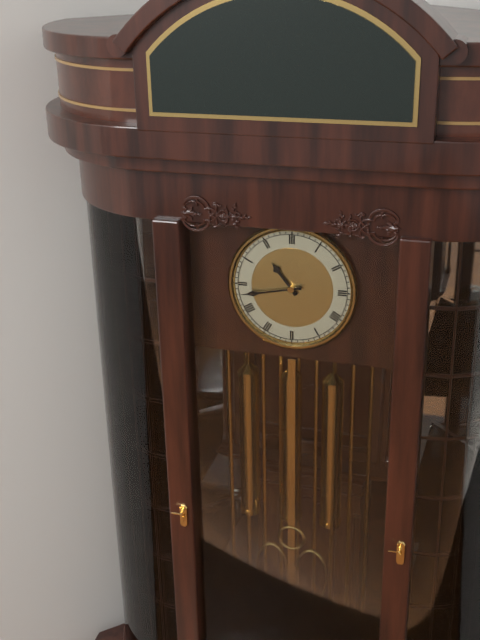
h=10 m=43
